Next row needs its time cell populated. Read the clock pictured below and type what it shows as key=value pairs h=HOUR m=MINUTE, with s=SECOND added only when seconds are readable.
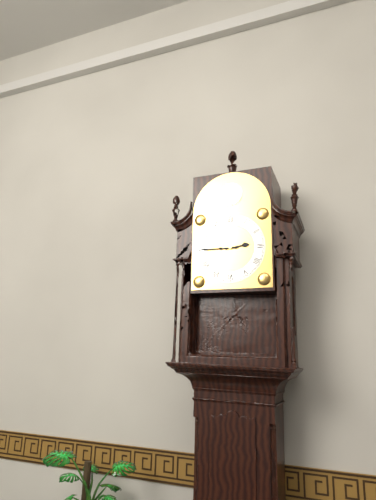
h=2 m=45
